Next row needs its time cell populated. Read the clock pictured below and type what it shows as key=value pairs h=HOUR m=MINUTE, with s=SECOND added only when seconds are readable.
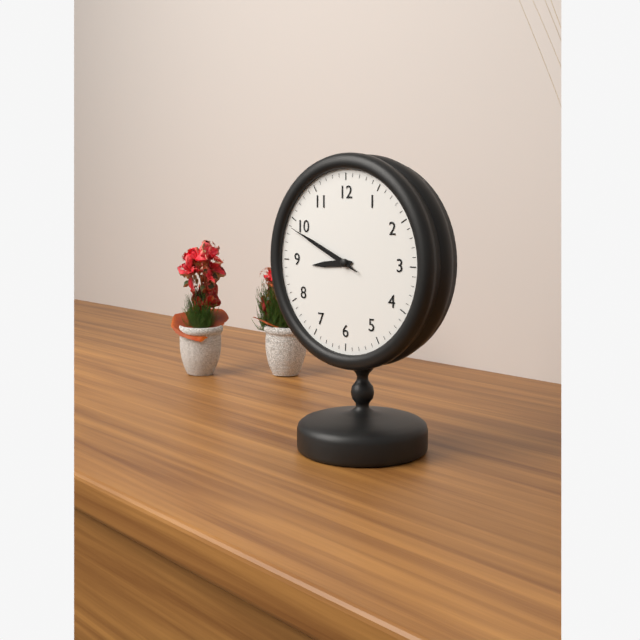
h=8 m=49 s=49
